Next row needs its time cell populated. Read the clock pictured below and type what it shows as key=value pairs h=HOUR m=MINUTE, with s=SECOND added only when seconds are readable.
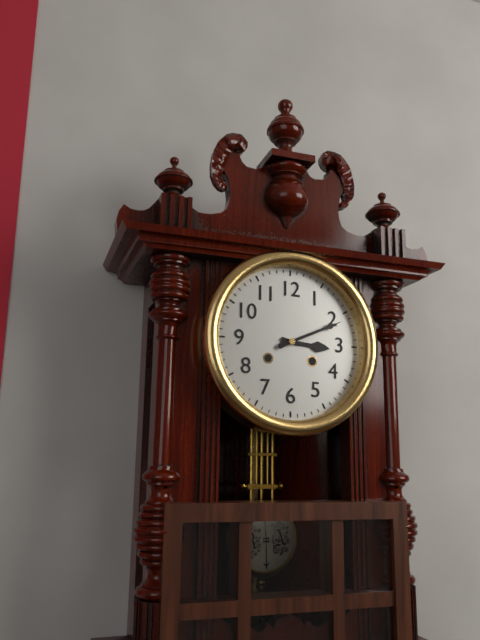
h=3 m=11
